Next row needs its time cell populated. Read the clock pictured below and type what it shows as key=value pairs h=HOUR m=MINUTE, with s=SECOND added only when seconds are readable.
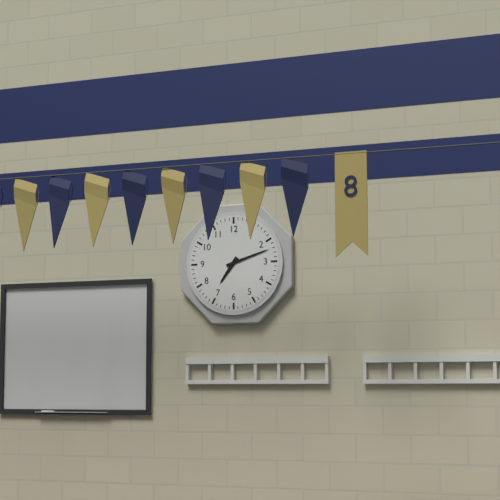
h=7 m=12
